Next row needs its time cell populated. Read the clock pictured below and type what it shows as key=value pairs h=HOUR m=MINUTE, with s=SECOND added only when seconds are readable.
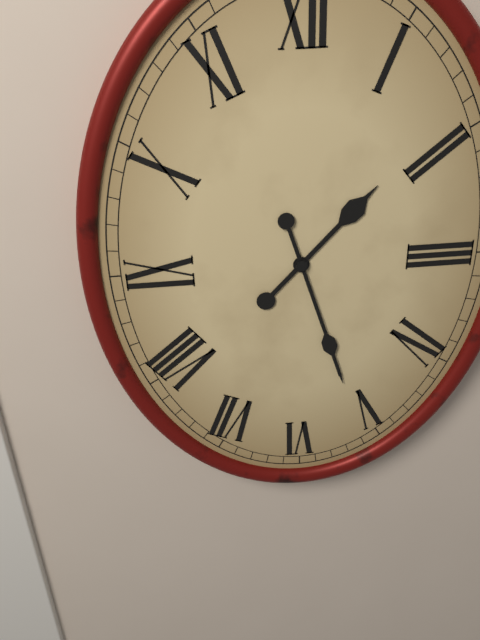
h=1 m=27
